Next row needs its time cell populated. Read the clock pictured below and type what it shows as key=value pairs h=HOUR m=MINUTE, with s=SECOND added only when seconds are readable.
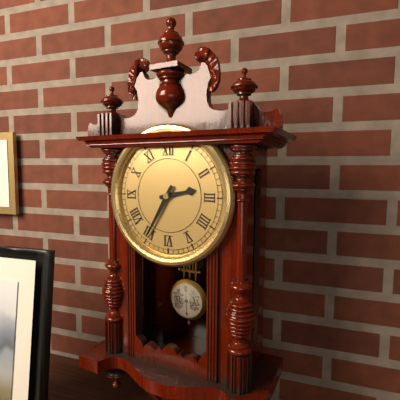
h=2 m=35
